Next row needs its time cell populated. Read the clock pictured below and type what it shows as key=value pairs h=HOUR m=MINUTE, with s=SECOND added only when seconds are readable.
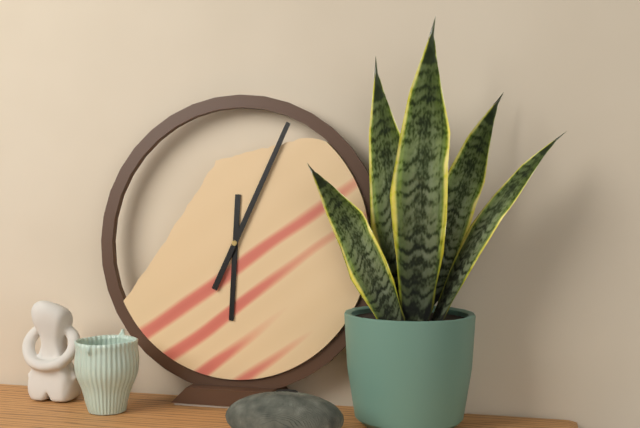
h=6 m=4
